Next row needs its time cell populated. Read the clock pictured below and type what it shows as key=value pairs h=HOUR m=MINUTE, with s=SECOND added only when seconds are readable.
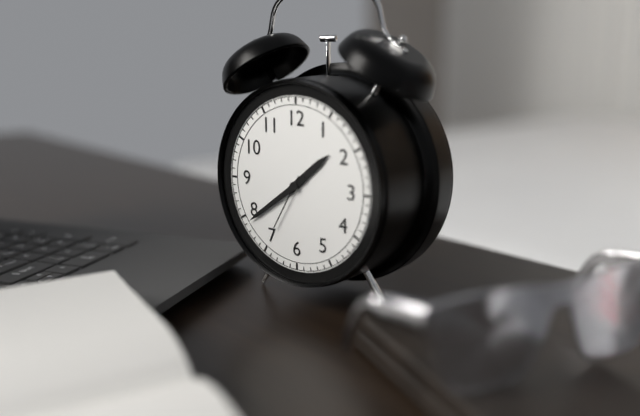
h=1 m=39 s=35
